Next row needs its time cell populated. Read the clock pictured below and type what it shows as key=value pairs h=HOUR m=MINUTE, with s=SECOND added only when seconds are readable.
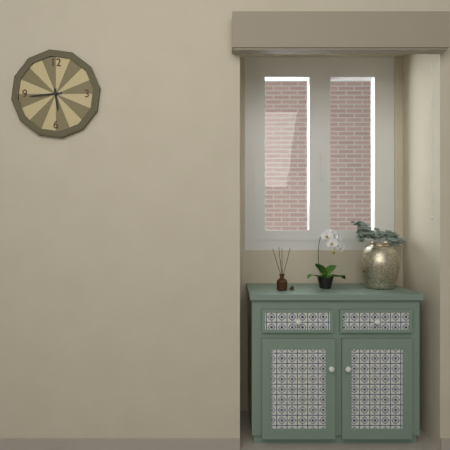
h=5 m=44
